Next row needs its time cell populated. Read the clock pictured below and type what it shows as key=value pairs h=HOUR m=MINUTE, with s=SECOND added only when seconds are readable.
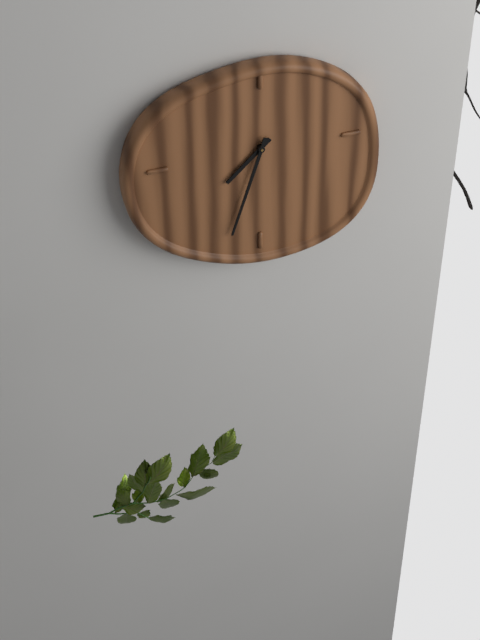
h=7 m=33
